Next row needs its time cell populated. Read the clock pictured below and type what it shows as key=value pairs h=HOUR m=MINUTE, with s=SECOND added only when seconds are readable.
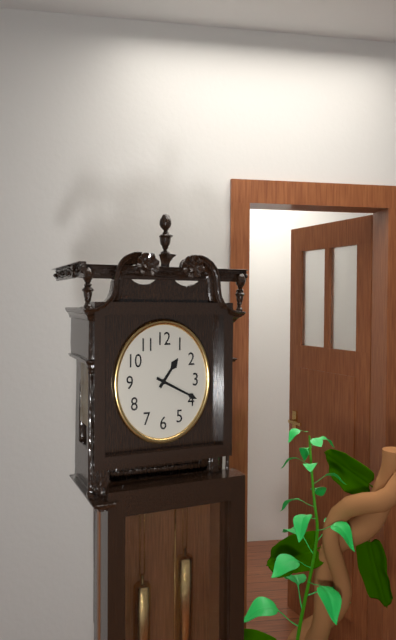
h=1 m=19
